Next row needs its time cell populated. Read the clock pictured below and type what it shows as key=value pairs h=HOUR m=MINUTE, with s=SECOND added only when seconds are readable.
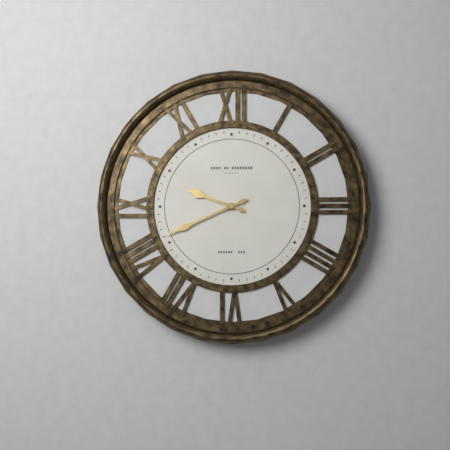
h=9 m=41
